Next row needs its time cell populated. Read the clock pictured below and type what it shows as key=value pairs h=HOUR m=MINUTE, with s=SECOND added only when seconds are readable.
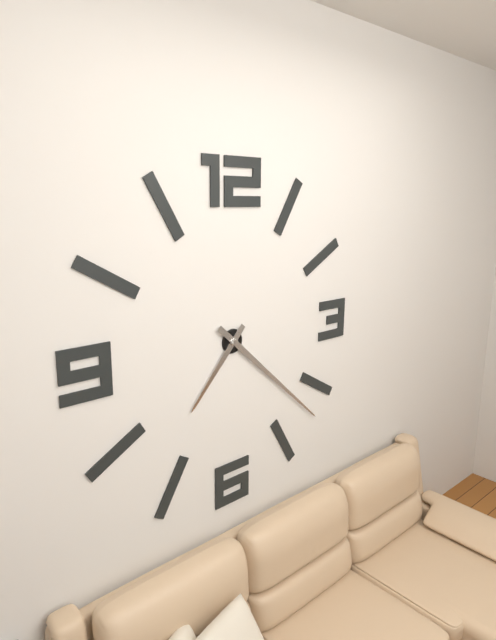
h=7 m=22
